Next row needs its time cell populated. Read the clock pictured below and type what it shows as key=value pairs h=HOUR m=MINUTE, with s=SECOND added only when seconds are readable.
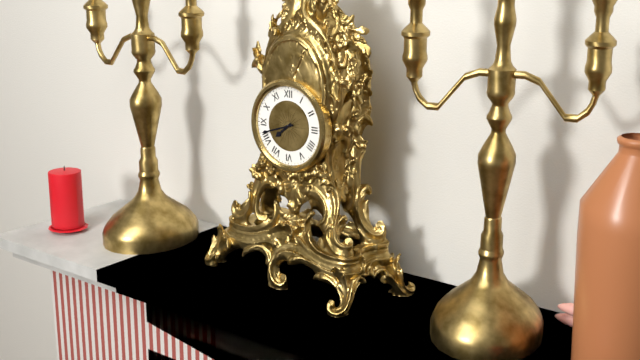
h=7 m=42
